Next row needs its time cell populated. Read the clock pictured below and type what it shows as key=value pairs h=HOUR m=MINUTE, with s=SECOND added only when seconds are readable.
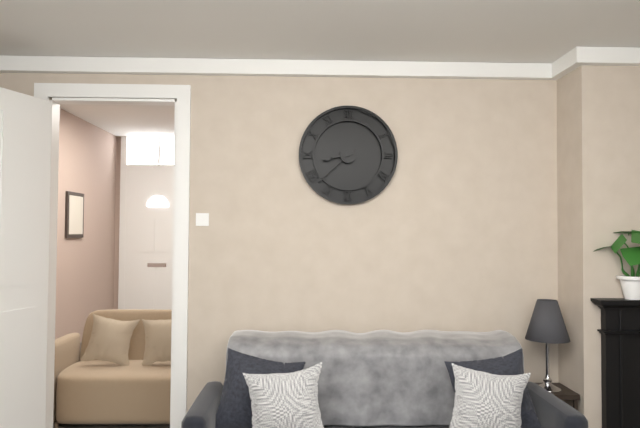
h=8 m=38
